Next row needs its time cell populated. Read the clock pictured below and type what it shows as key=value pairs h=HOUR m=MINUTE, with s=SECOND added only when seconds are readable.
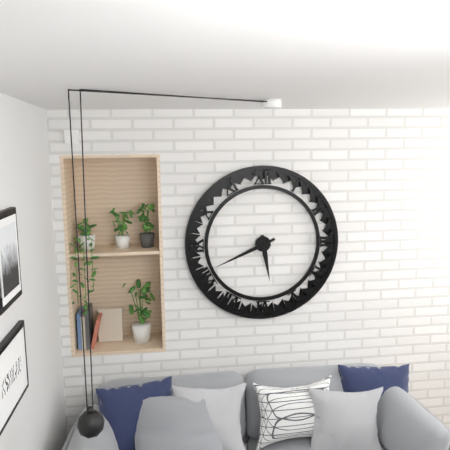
h=5 m=41
